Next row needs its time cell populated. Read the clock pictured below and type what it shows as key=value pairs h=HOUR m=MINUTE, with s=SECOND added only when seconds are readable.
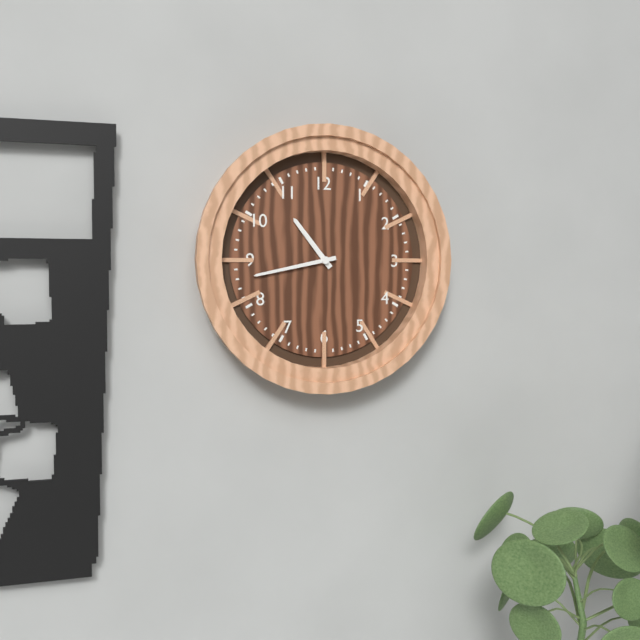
h=10 m=43
